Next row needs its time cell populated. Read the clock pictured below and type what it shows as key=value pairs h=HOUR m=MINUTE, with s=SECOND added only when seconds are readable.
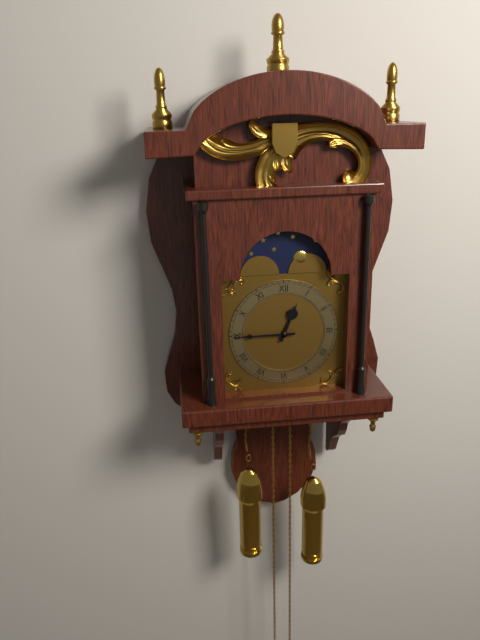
h=12 m=45
